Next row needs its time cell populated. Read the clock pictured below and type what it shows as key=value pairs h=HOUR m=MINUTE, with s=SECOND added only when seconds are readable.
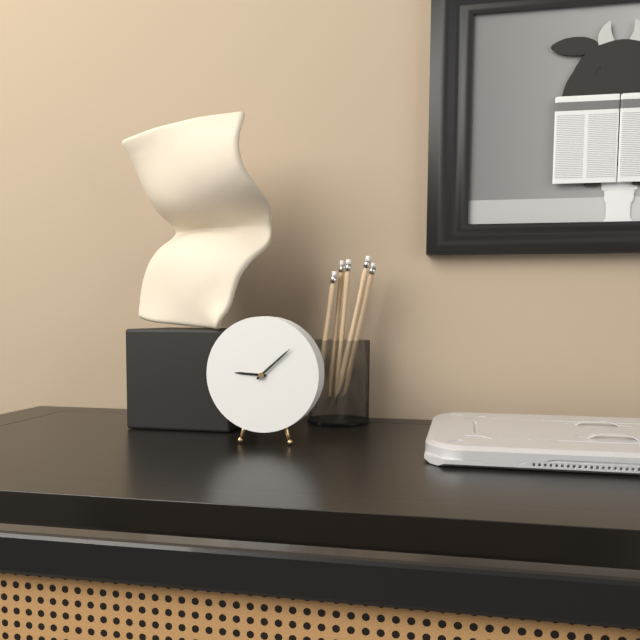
h=9 m=8
